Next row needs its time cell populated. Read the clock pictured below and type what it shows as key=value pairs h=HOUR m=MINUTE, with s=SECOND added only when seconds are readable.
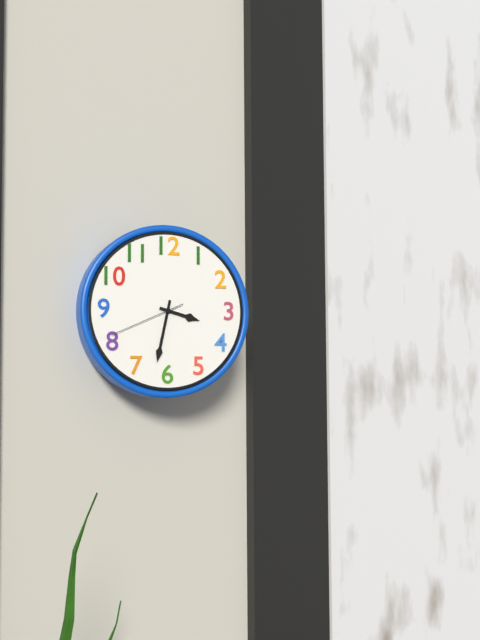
h=3 m=32 s=41
